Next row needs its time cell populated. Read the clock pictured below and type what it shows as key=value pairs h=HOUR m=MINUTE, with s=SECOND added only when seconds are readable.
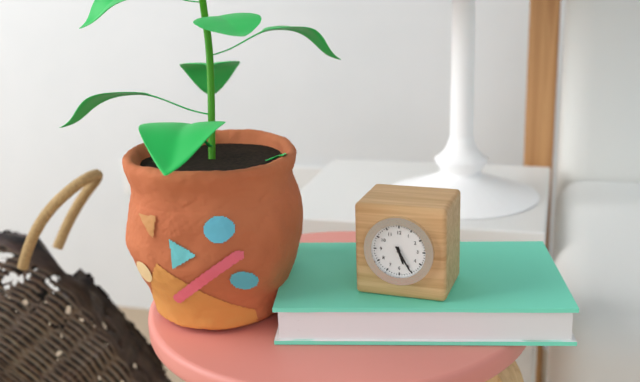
h=5 m=25
